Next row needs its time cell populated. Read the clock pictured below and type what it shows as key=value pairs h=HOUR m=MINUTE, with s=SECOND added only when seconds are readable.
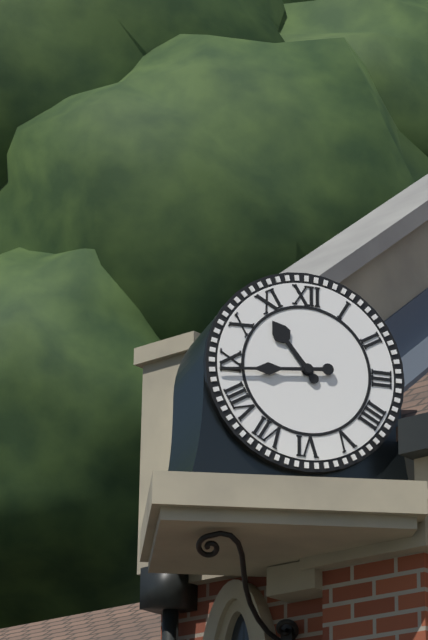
h=10 m=44
